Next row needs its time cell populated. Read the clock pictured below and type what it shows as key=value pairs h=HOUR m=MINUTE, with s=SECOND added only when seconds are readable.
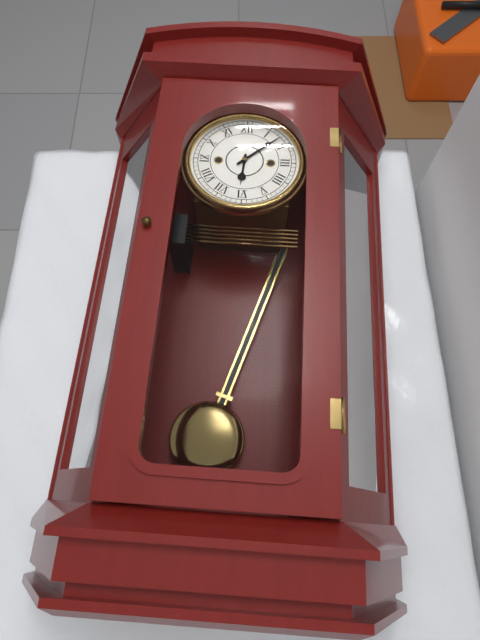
h=6 m=8
